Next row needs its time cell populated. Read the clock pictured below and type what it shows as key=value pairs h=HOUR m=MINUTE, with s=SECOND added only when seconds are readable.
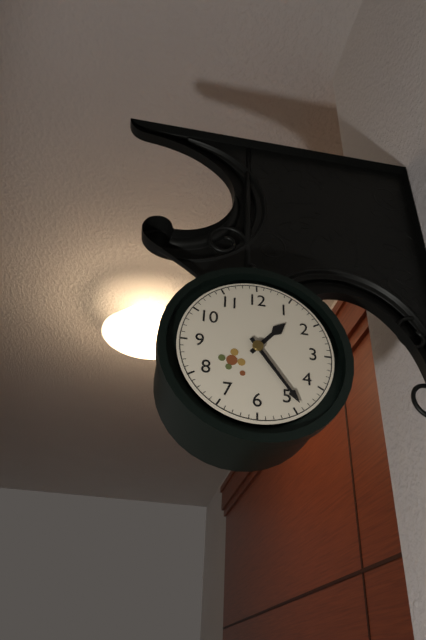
h=1 m=24
